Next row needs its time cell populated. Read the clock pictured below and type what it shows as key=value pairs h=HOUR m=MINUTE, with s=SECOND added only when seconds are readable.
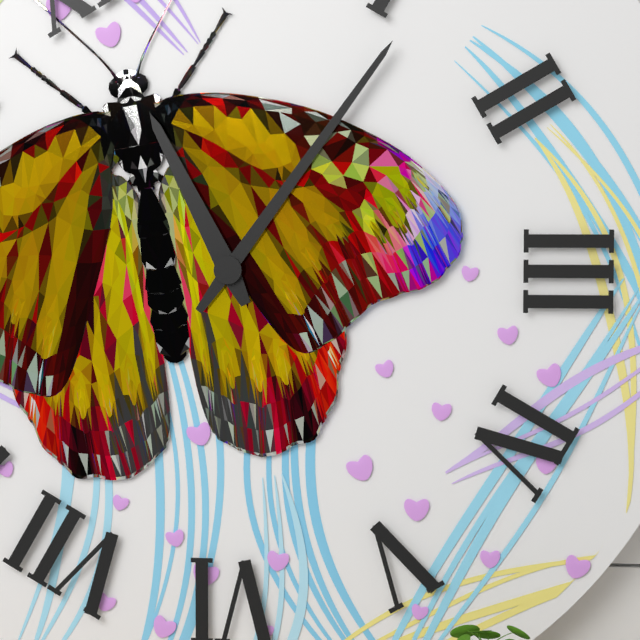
h=11 m=6
